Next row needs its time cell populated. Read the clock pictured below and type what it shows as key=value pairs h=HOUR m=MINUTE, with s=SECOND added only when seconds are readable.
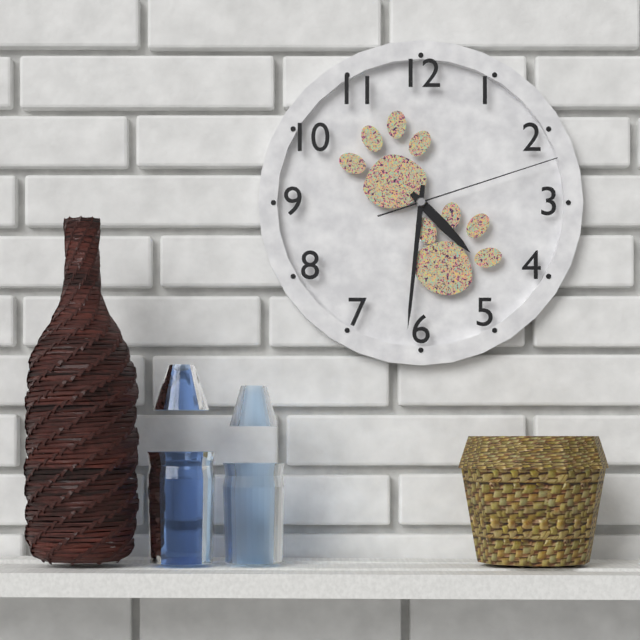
h=4 m=31 s=12
